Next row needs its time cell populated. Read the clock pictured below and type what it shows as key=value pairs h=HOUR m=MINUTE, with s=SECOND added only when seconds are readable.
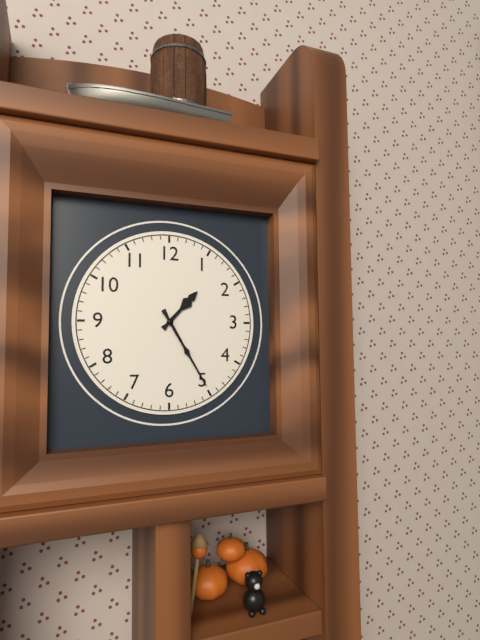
h=1 m=25
